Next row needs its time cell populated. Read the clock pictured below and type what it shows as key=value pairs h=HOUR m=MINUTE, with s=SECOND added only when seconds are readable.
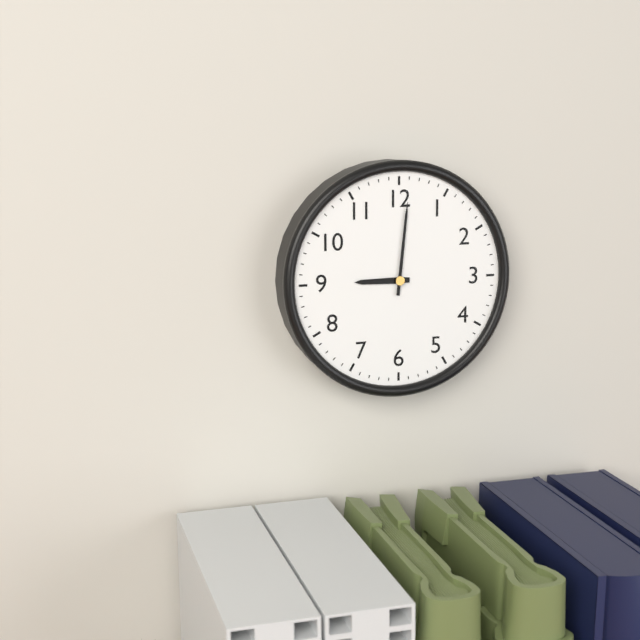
h=9 m=1
